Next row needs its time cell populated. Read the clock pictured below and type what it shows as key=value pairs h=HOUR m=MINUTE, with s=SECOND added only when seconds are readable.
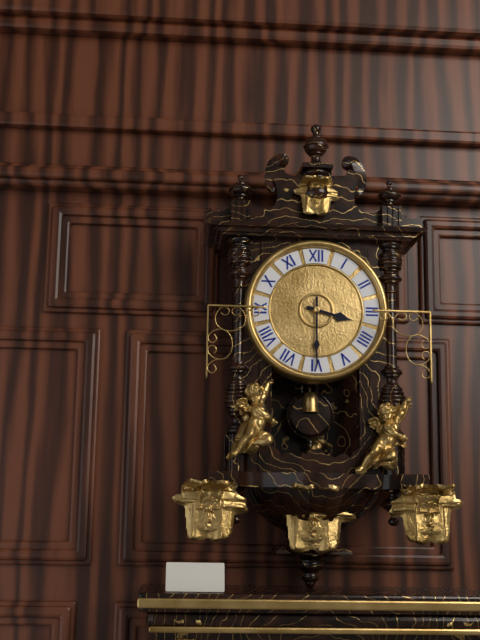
h=3 m=30
